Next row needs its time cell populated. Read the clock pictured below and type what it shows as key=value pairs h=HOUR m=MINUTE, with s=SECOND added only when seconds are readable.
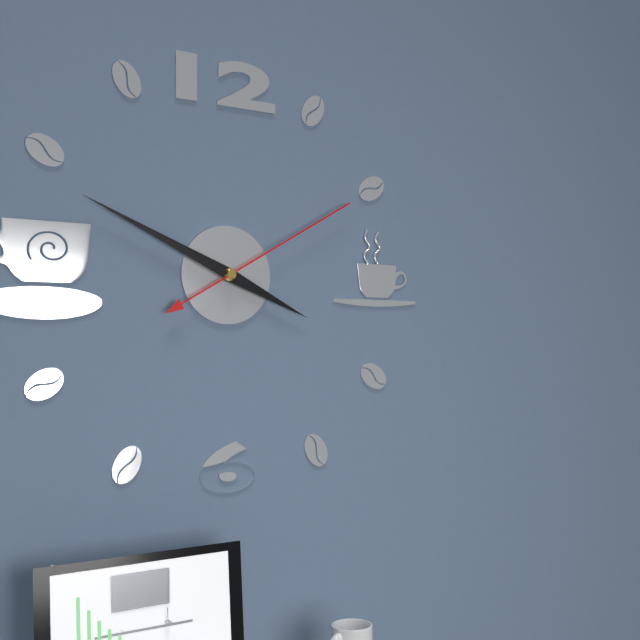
h=3 m=49 s=10
